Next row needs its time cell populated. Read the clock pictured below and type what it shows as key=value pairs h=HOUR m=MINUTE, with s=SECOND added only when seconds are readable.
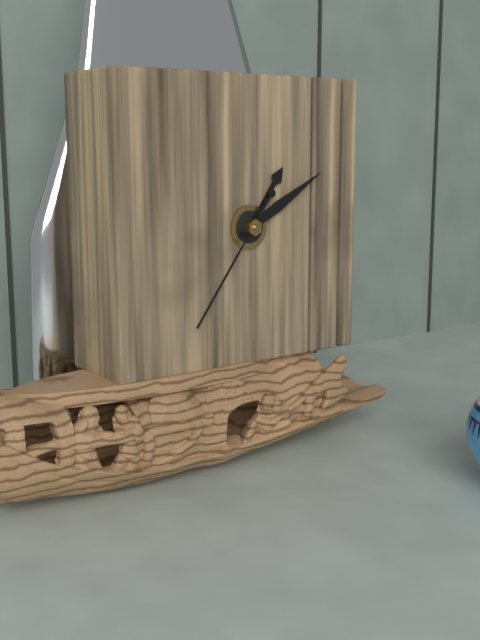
h=1 m=10 s=36
